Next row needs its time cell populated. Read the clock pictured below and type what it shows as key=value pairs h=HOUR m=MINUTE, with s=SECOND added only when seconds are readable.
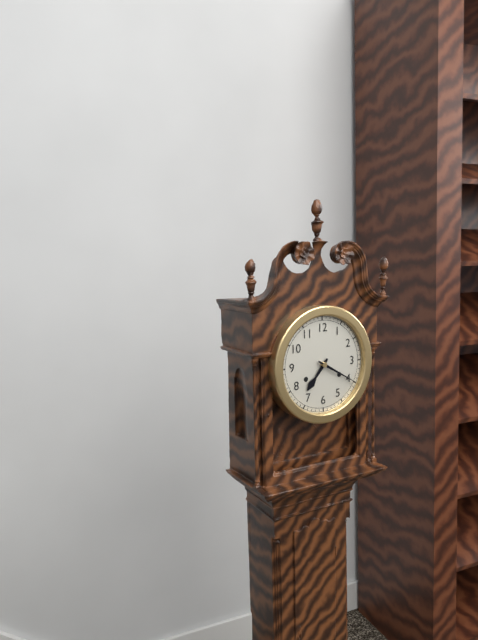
h=7 m=20
